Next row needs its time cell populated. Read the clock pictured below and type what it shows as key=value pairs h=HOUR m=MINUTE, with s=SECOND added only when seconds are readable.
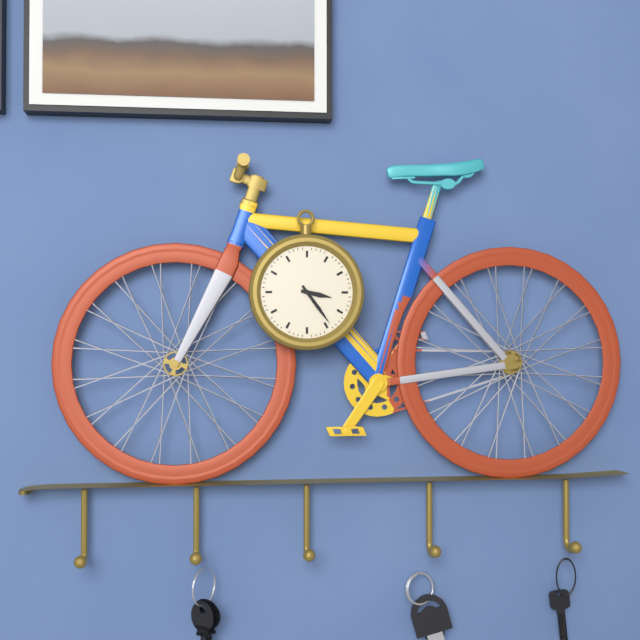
h=3 m=24
